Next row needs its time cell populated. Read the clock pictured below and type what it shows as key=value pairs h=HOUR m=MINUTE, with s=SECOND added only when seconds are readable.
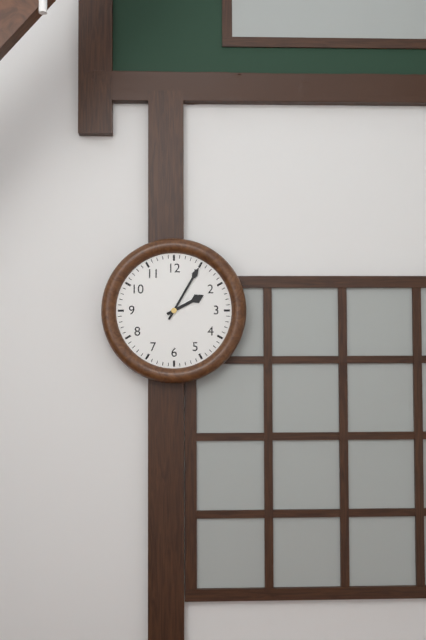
h=2 m=5
